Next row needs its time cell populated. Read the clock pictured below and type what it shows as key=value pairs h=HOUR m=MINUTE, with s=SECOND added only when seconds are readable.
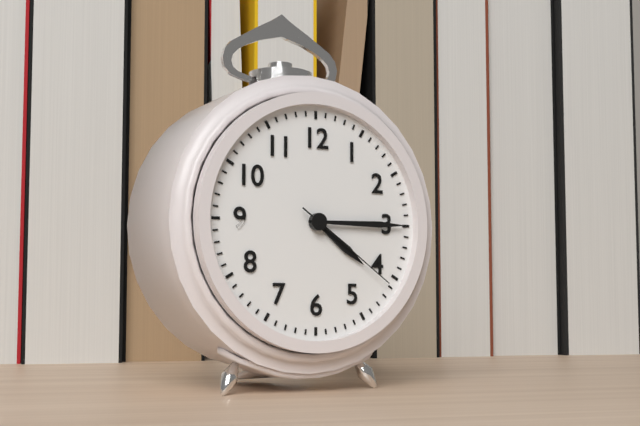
h=4 m=15 s=21
